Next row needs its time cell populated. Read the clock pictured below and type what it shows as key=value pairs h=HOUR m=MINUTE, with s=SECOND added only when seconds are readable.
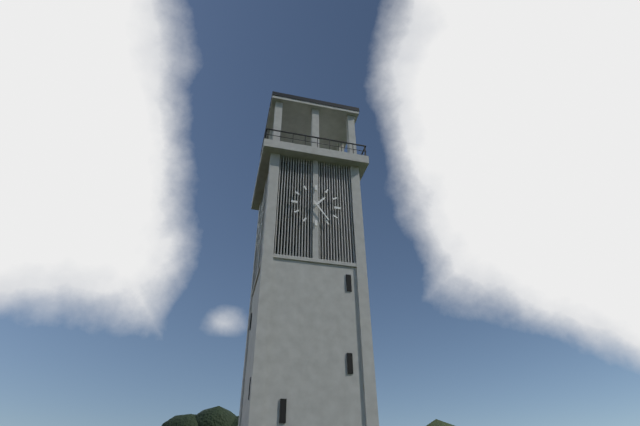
h=1 m=24
